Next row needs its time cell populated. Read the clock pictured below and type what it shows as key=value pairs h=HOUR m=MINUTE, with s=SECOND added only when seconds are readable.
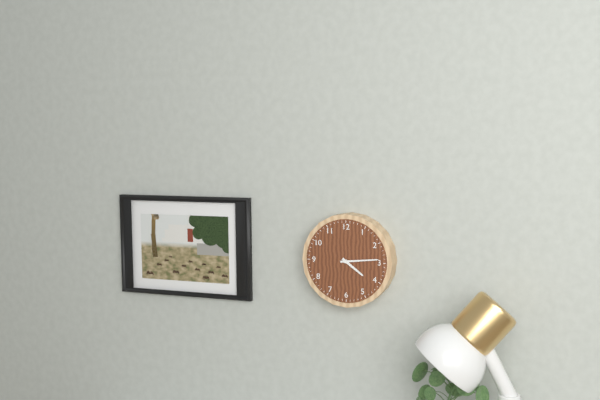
h=4 m=14
